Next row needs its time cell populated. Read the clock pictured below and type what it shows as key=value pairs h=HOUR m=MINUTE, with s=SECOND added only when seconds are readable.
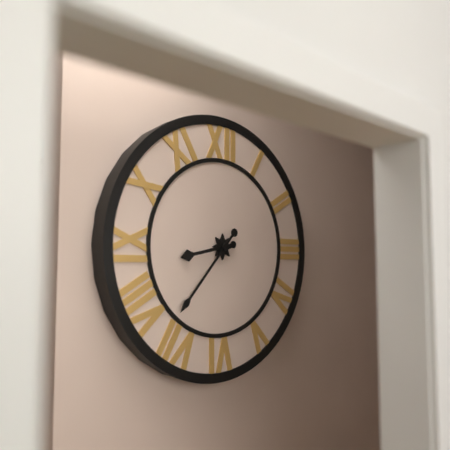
h=8 m=37
